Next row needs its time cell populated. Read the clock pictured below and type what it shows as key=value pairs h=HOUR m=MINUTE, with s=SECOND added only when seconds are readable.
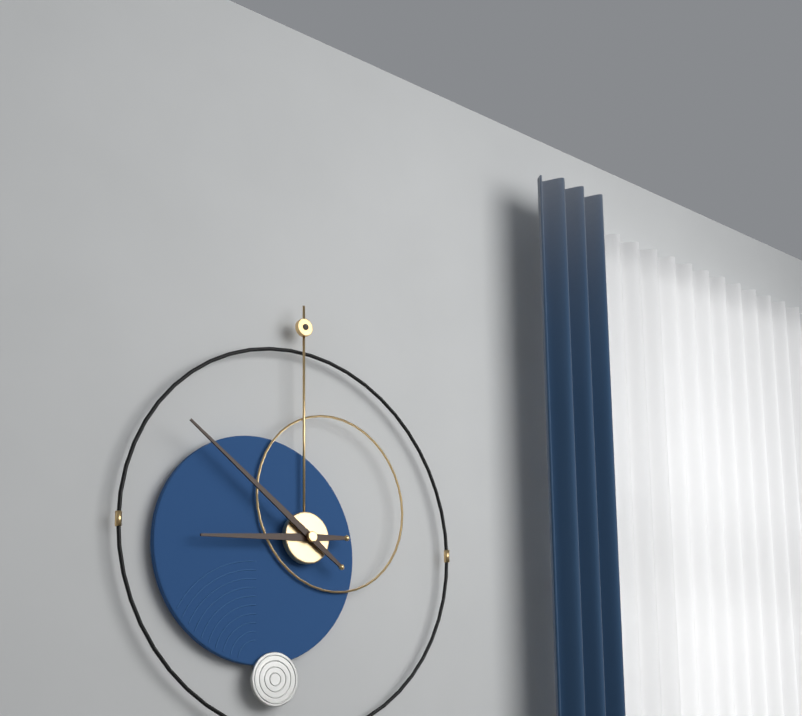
h=8 m=51
